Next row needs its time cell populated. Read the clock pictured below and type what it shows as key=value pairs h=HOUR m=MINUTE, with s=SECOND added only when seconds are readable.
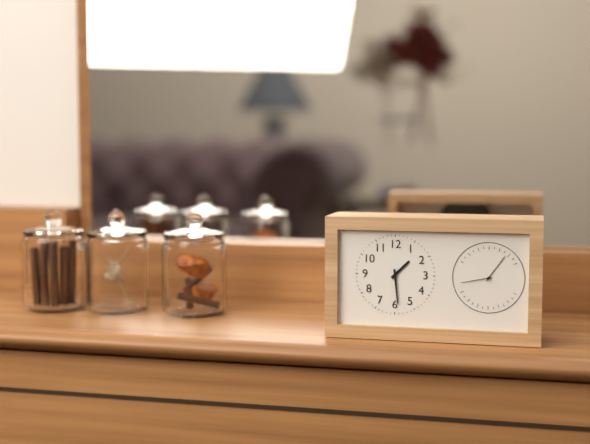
h=1 m=29
